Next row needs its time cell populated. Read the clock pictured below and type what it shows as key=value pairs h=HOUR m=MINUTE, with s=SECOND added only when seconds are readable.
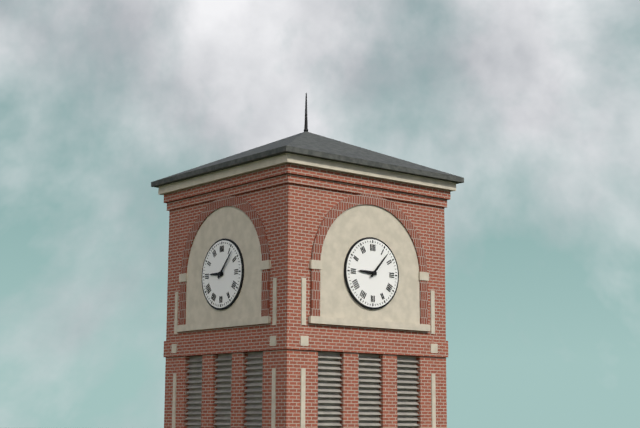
h=9 m=7
